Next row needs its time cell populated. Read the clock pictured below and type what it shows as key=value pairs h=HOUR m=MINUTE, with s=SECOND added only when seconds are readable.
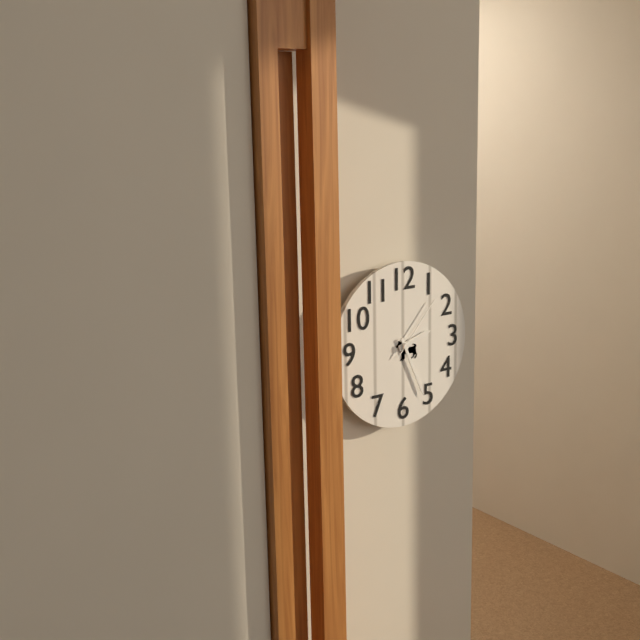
h=2 m=26 s=7
